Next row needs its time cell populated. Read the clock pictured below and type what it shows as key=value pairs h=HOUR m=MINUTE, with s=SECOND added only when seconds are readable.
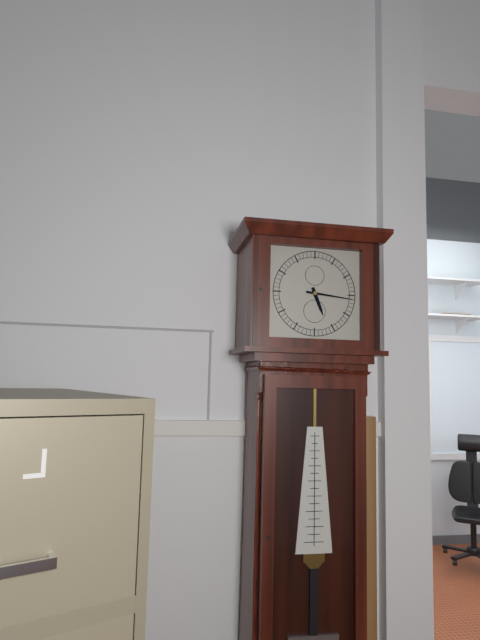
h=5 m=16
